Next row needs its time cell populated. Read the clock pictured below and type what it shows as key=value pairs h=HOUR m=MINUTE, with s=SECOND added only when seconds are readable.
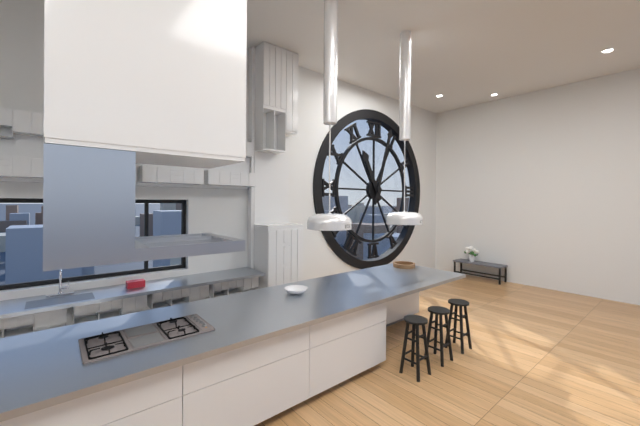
h=11 m=3
